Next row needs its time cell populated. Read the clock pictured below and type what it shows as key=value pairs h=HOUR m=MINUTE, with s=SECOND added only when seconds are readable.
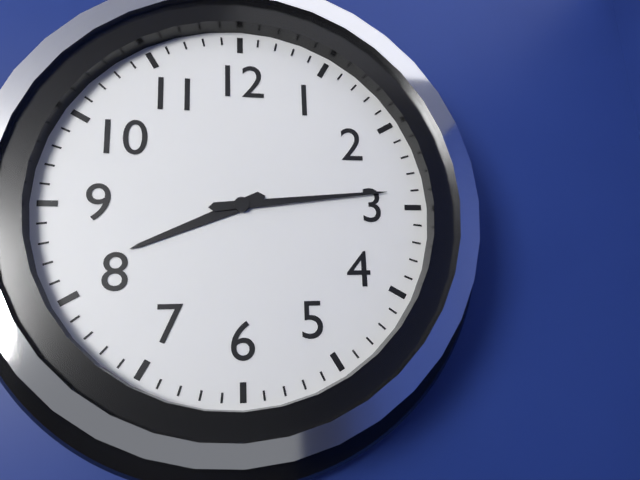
h=8 m=14
